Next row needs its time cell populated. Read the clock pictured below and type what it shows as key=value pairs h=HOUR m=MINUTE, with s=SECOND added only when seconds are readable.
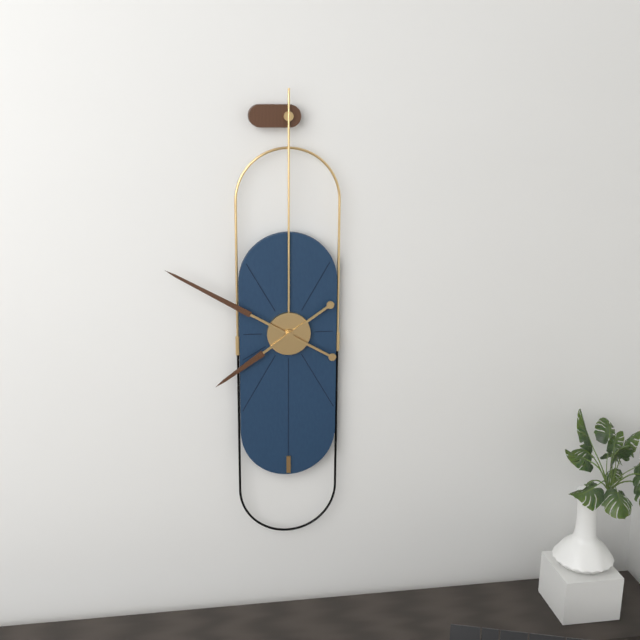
h=7 m=50
